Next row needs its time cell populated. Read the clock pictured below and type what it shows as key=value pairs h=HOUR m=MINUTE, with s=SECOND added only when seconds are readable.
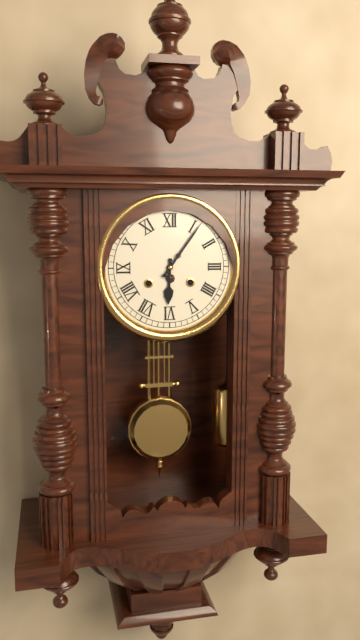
h=6 m=6
